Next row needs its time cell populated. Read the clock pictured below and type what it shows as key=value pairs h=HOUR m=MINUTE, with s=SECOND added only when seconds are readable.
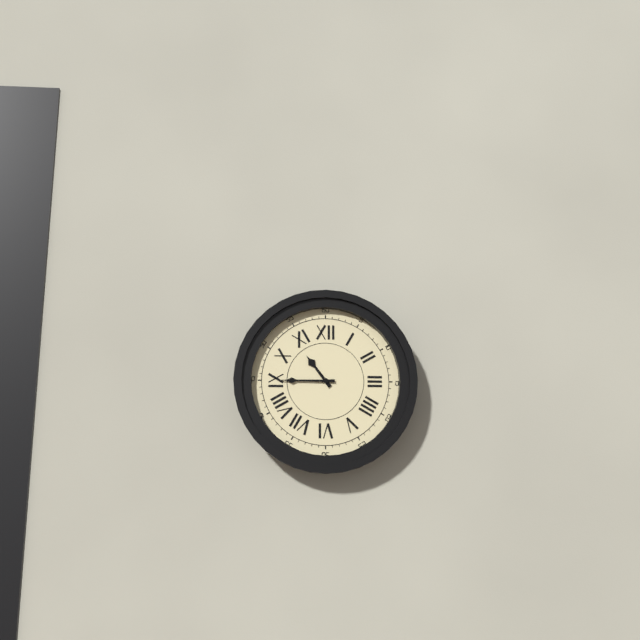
h=10 m=45
